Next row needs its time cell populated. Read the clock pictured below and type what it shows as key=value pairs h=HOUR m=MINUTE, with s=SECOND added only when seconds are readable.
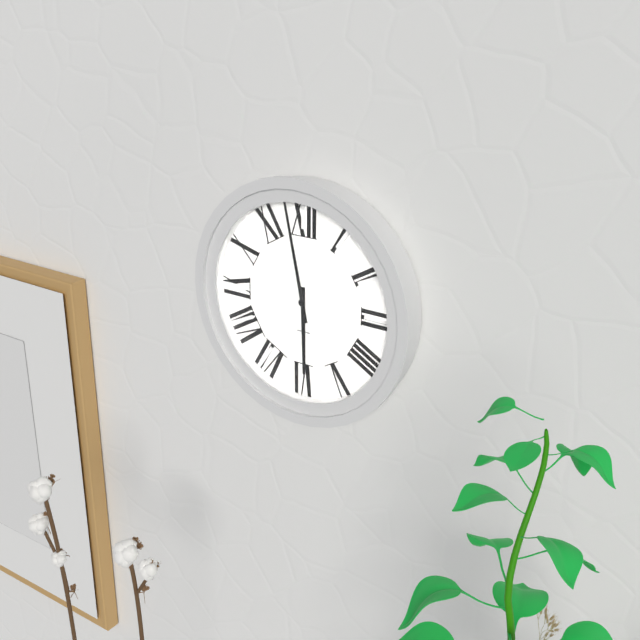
h=5 m=58
